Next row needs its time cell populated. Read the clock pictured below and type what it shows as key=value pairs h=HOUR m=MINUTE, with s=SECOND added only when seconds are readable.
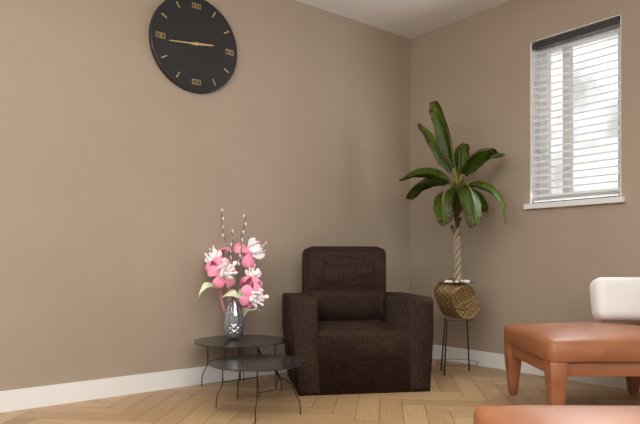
h=2 m=44
